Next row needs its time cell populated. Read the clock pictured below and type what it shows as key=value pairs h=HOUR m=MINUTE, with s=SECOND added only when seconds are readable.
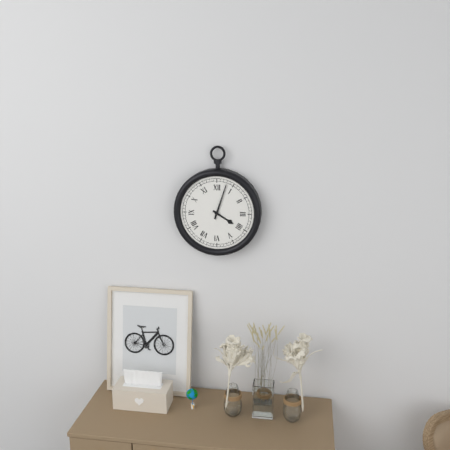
h=4 m=3
